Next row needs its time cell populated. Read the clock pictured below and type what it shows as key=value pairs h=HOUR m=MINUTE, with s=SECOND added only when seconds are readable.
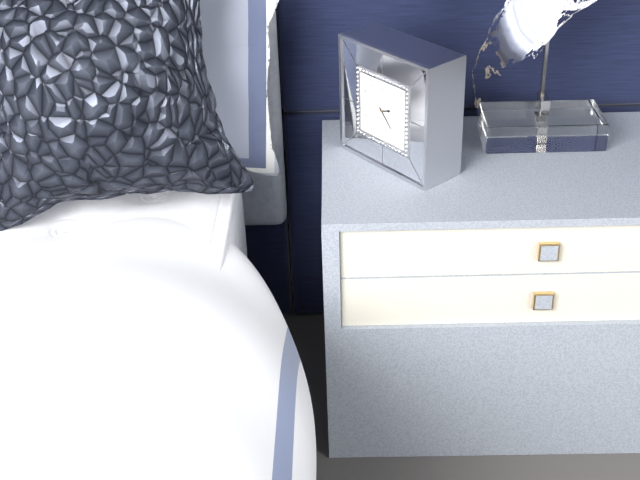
h=2 m=23
